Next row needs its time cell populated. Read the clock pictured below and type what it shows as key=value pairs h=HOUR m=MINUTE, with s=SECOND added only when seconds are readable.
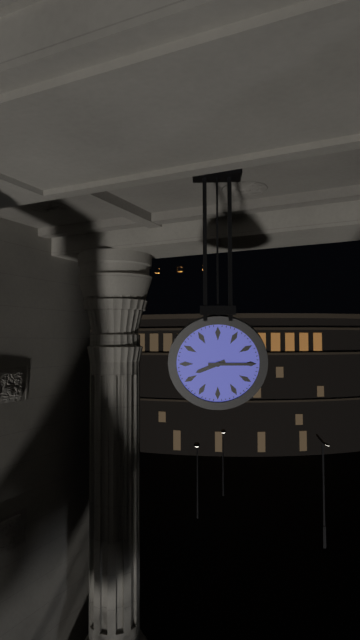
h=8 m=15
